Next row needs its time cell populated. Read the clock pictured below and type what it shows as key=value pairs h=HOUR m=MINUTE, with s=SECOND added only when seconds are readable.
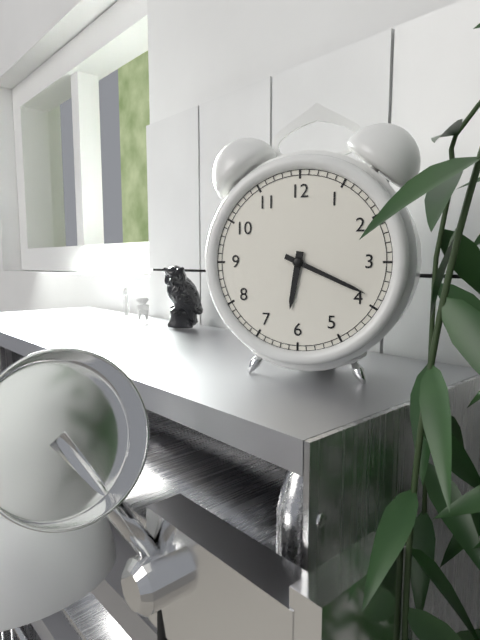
h=6 m=19
